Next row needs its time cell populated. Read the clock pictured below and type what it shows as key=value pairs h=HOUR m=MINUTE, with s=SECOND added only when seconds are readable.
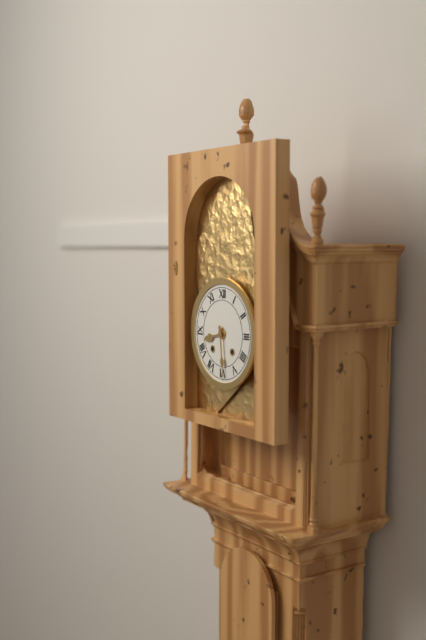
h=8 m=29
